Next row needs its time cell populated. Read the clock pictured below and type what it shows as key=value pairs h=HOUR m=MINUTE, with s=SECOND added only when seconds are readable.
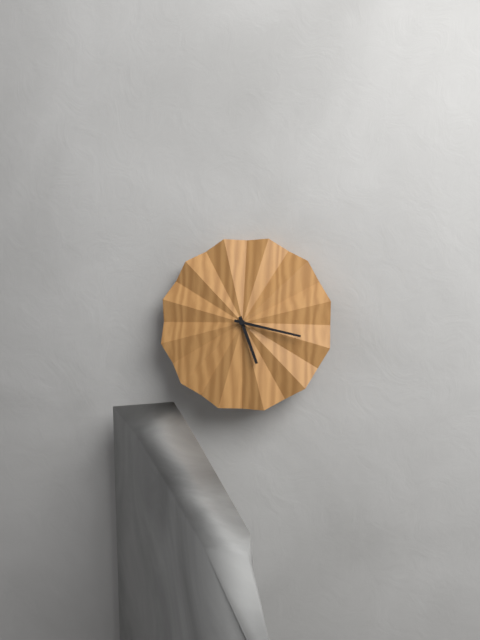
h=5 m=17
